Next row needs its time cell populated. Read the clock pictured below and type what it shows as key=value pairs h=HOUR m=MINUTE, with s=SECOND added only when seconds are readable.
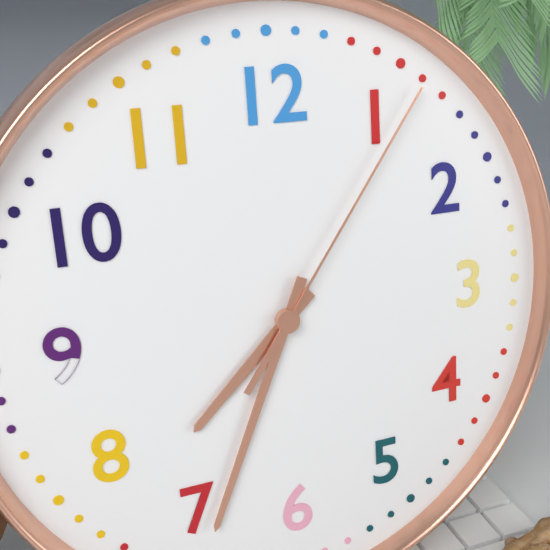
h=7 m=34 s=6
